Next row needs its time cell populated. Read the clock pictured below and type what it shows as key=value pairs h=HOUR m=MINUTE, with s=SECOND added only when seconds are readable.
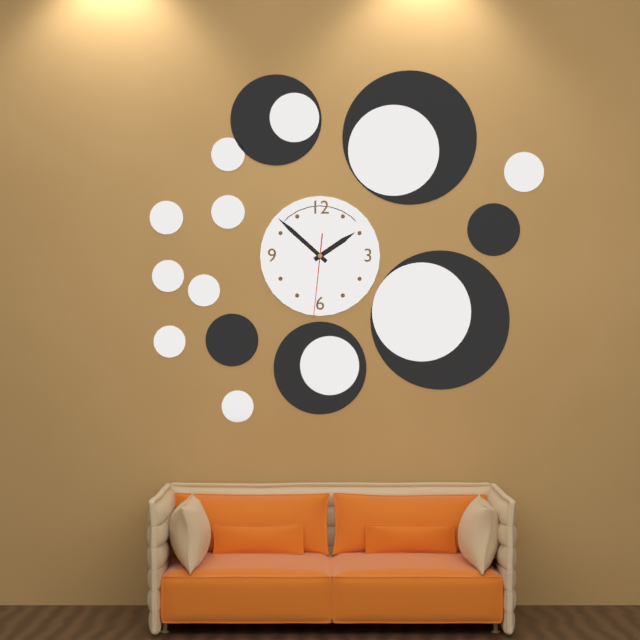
h=1 m=52 s=31
